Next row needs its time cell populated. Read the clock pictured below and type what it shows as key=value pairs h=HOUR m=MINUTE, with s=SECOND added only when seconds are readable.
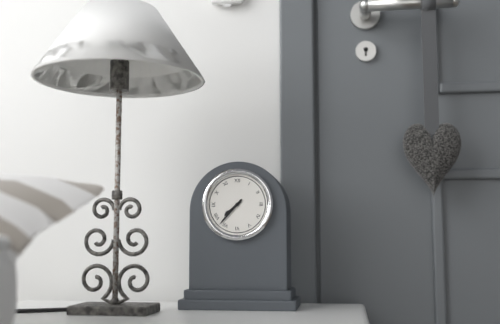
h=7 m=37
